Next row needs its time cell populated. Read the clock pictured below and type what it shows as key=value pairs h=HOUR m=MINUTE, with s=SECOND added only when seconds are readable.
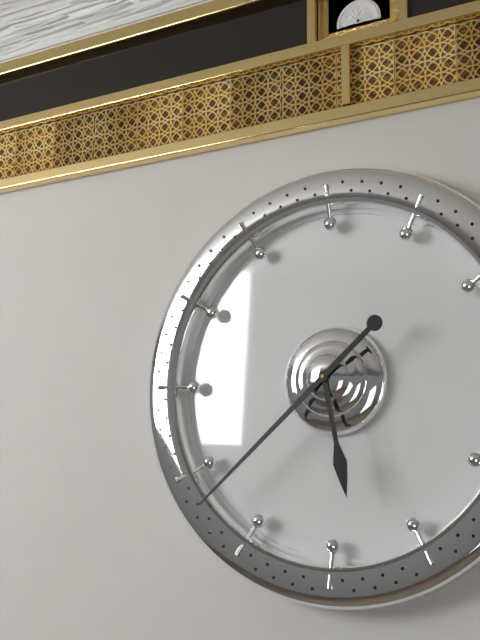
h=5 m=38
